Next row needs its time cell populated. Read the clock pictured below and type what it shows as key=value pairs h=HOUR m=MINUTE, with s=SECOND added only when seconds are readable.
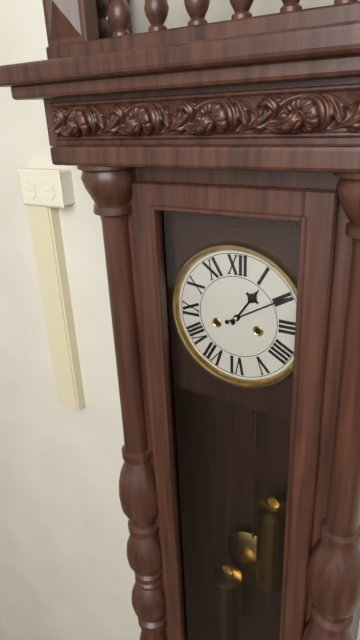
h=1 m=10
